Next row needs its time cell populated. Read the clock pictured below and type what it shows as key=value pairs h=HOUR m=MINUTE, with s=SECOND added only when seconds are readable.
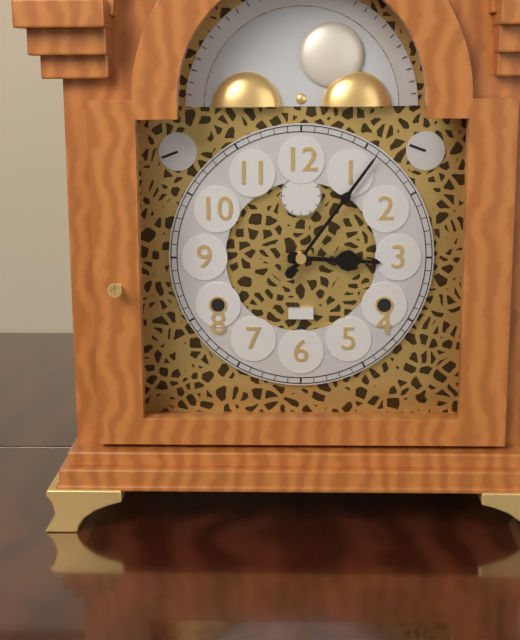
h=3 m=6
